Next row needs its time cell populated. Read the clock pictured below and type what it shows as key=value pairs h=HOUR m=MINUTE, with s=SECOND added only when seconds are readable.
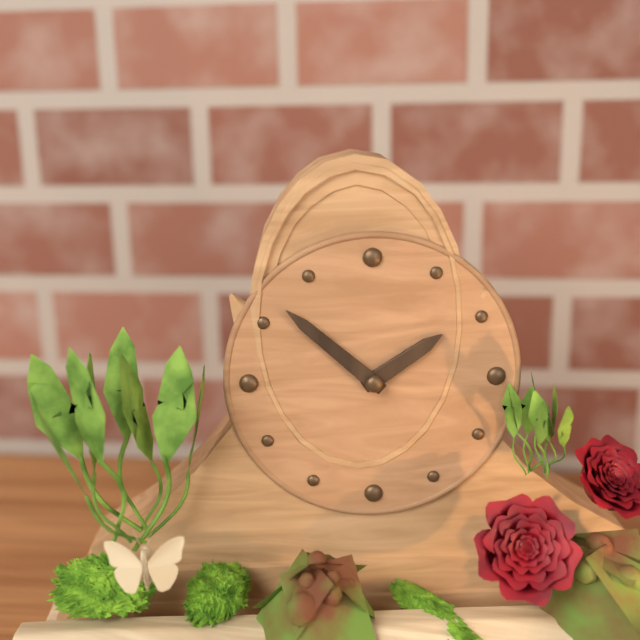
h=1 m=52
